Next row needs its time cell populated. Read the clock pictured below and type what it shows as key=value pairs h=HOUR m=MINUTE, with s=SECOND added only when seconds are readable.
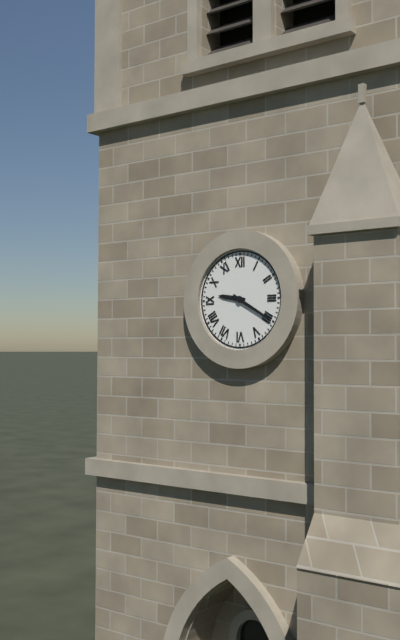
h=9 m=20
